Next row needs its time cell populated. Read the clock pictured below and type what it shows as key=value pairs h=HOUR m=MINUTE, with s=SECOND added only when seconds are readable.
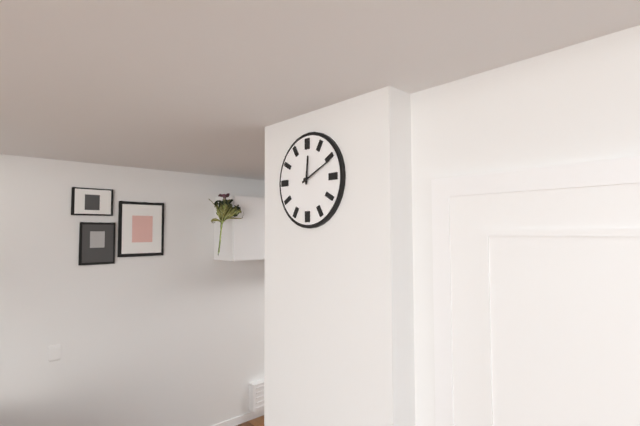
h=12 m=11
